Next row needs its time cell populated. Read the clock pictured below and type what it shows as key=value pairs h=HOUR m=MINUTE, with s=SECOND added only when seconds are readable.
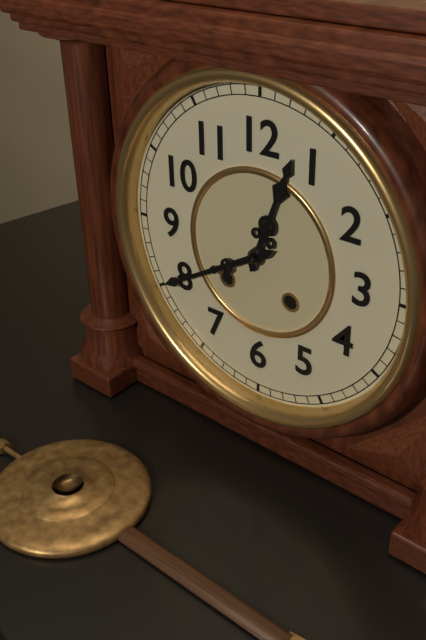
h=12 m=40
